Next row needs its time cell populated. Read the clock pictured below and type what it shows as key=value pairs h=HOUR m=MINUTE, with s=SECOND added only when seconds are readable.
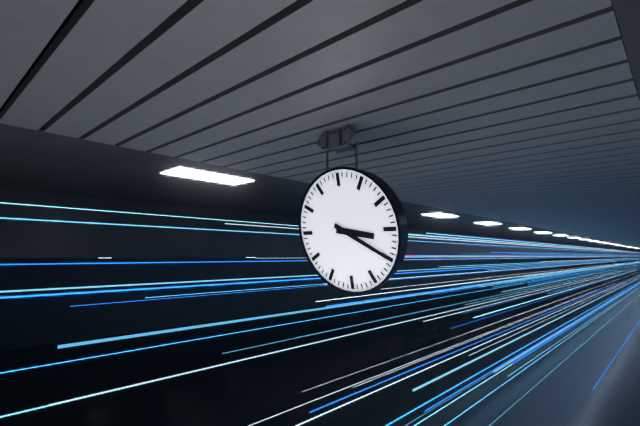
h=3 m=20
